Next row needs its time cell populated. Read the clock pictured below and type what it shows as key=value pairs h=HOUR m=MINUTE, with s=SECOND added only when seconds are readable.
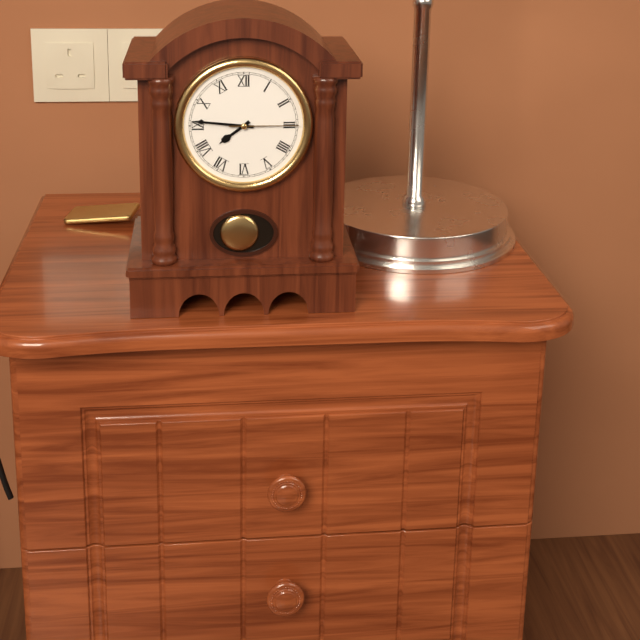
h=7 m=46 s=15
